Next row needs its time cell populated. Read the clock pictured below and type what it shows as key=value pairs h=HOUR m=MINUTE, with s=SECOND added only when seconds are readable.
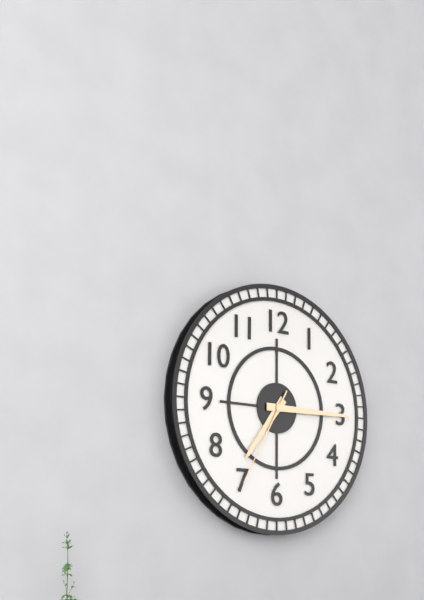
h=7 m=15 s=35
